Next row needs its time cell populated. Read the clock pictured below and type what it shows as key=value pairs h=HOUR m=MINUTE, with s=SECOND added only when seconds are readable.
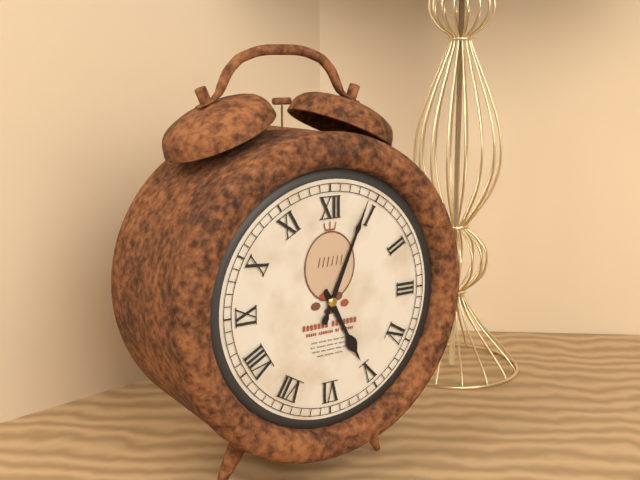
h=5 m=4
